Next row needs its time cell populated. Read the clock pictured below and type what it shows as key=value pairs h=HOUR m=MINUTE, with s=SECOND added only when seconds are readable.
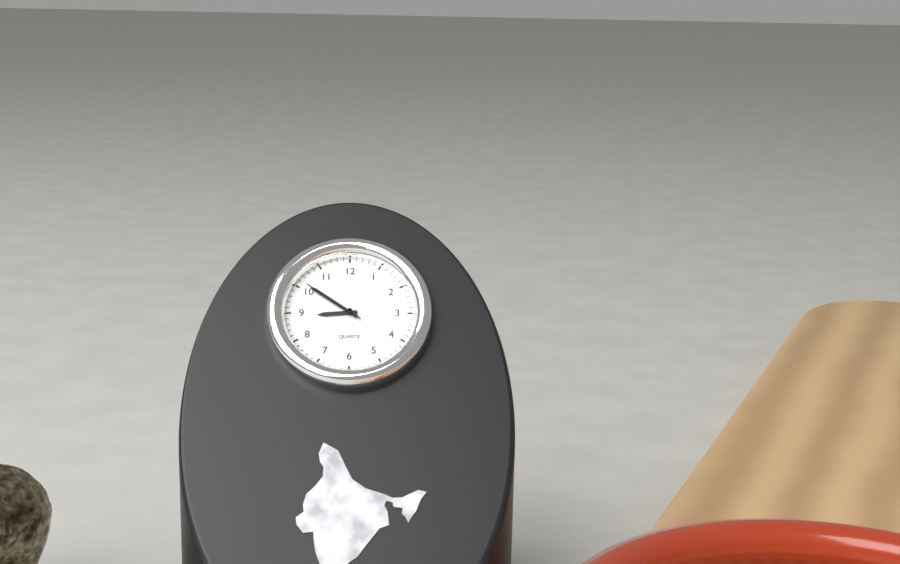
h=8 m=51 s=51
